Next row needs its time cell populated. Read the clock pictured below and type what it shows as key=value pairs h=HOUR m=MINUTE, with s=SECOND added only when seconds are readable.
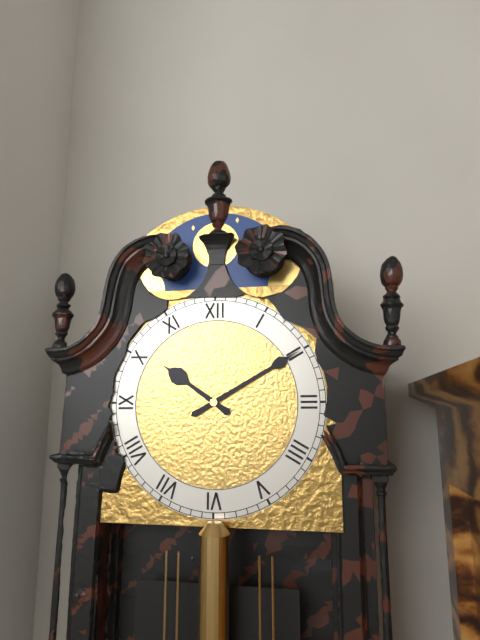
h=10 m=10
